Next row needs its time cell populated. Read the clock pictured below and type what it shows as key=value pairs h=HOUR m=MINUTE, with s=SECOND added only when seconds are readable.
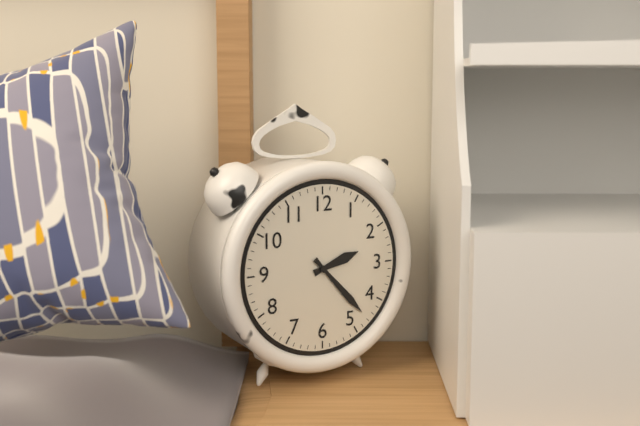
h=2 m=23
